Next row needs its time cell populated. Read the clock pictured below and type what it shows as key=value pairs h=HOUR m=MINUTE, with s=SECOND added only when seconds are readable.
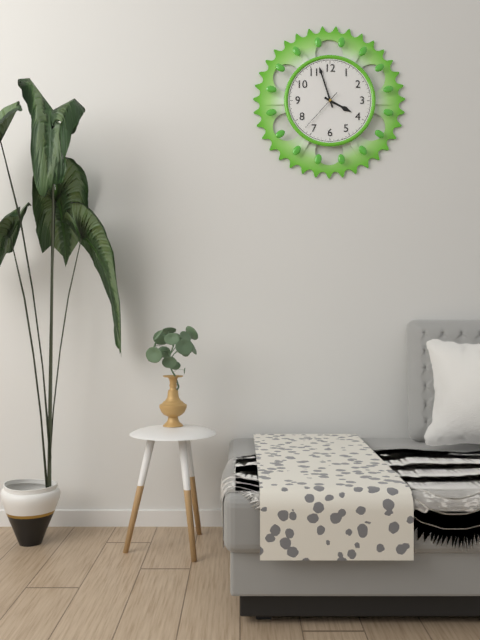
h=3 m=57
